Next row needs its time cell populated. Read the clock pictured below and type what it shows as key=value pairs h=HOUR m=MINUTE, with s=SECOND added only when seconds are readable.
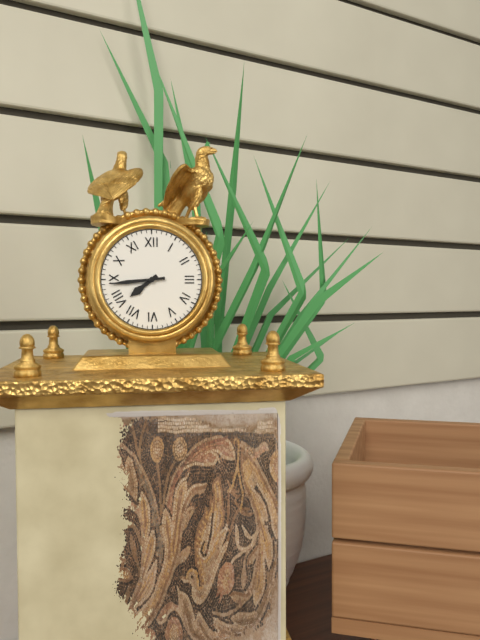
h=7 m=44
